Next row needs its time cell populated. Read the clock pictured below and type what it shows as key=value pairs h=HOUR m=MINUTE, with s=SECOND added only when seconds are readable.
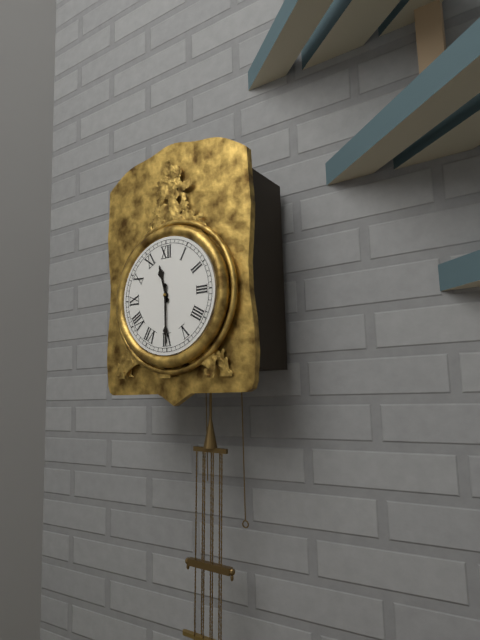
h=11 m=30
